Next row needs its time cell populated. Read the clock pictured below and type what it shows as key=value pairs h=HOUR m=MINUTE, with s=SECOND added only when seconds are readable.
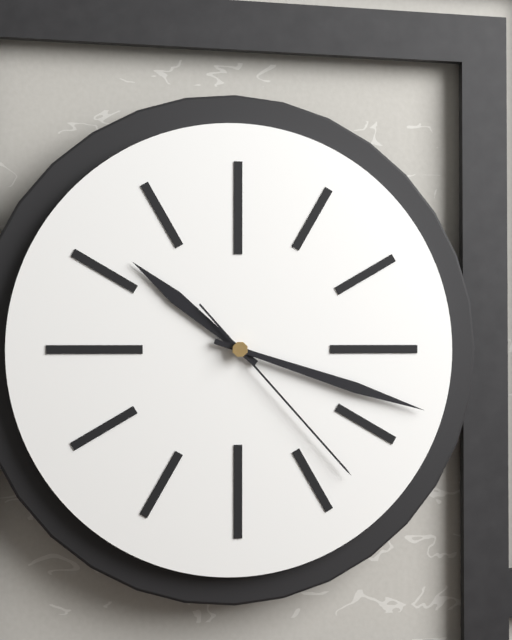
h=10 m=18 s=23
